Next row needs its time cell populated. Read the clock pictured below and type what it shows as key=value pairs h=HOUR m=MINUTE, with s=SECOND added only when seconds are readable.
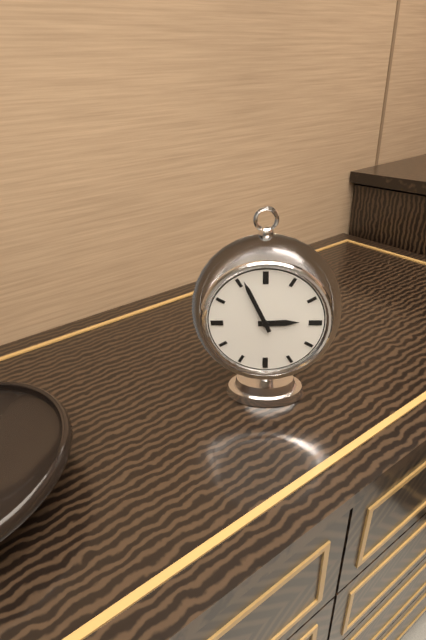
h=2 m=56
